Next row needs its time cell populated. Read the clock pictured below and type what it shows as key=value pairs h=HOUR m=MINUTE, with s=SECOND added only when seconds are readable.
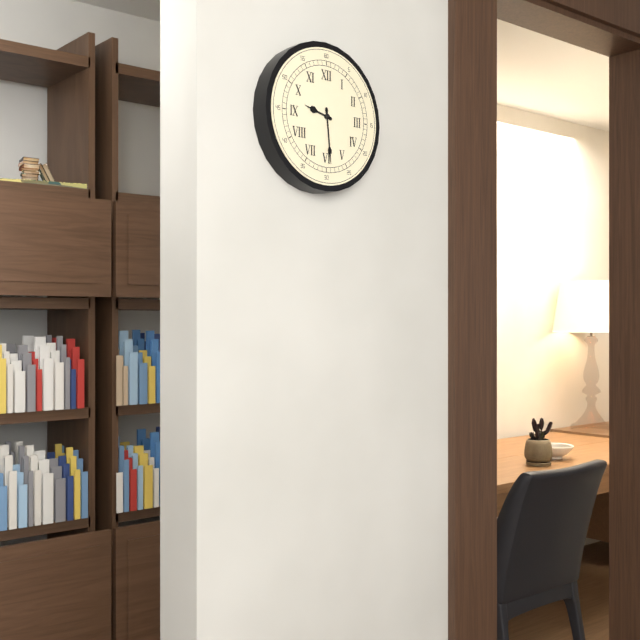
h=9 m=29
